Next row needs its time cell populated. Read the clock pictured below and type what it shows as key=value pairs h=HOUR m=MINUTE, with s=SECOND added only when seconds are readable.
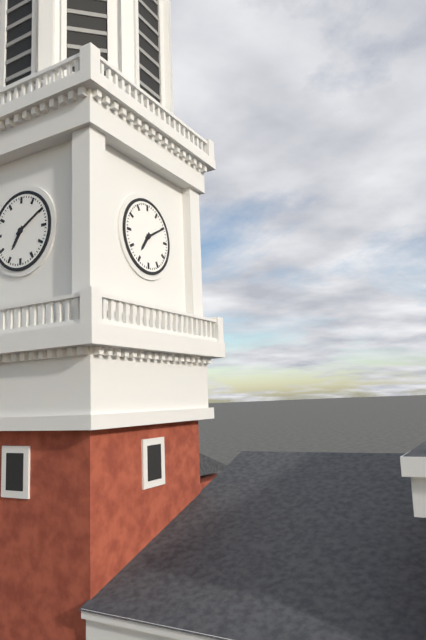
h=7 m=10
